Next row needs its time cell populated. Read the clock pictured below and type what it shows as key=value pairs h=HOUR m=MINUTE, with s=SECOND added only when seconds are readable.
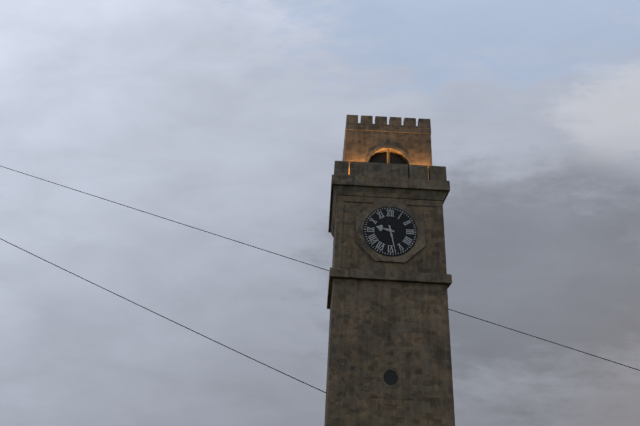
h=9 m=28
